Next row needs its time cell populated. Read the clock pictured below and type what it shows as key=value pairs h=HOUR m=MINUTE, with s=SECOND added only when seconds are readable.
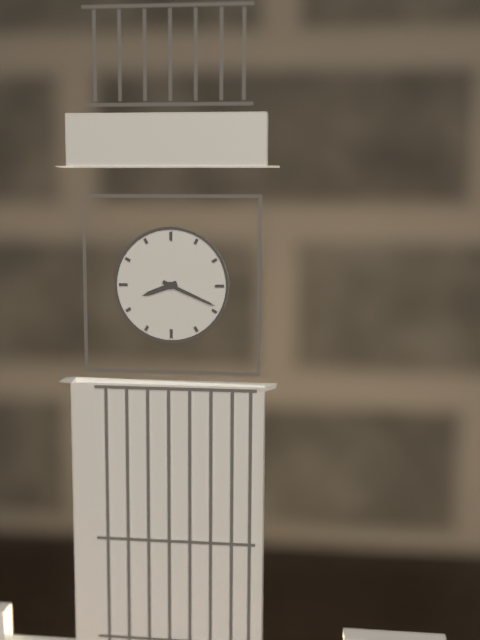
h=8 m=19
